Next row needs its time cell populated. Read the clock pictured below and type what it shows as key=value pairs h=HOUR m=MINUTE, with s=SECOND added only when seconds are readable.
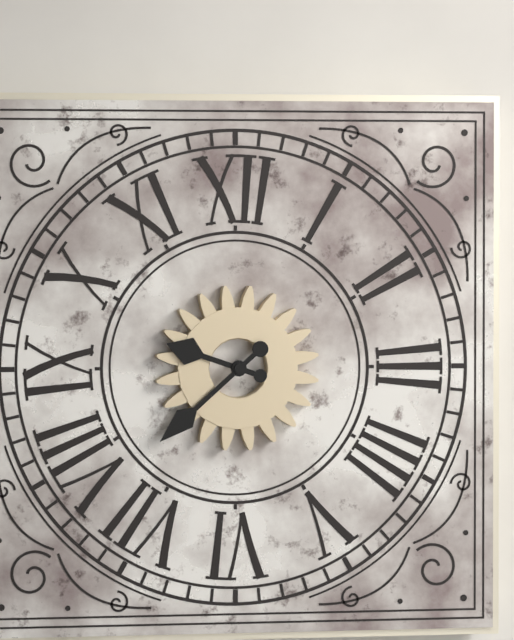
h=9 m=38
